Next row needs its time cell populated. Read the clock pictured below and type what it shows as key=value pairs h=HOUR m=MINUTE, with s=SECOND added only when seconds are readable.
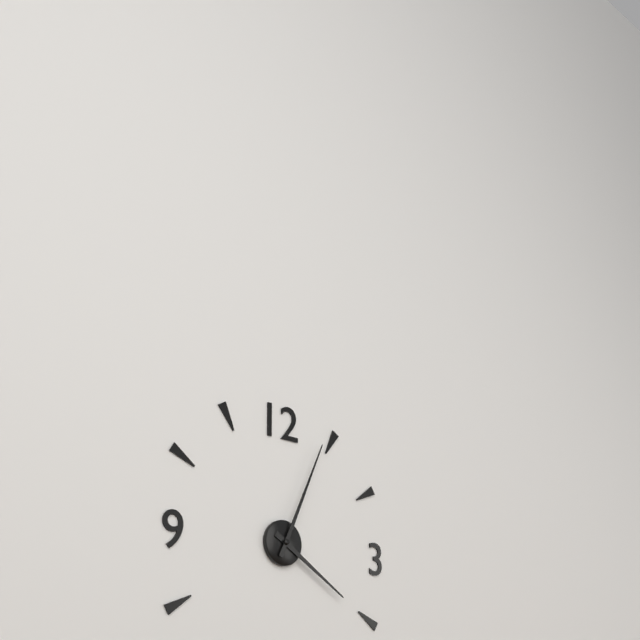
h=4 m=4
